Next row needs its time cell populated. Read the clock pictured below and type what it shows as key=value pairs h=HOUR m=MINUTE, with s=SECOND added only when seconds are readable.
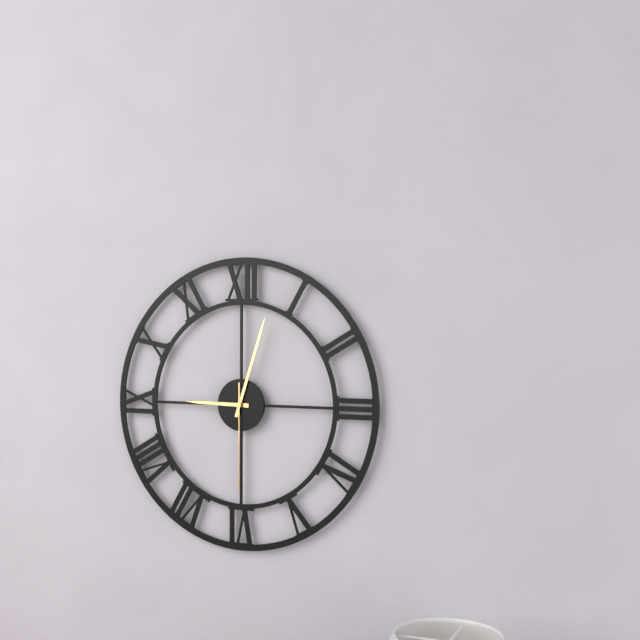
h=9 m=3 s=30
